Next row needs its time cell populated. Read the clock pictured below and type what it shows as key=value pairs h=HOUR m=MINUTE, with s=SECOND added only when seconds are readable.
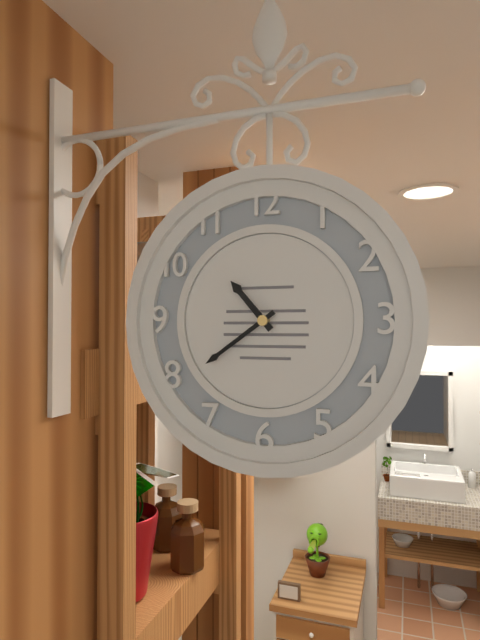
h=10 m=39
